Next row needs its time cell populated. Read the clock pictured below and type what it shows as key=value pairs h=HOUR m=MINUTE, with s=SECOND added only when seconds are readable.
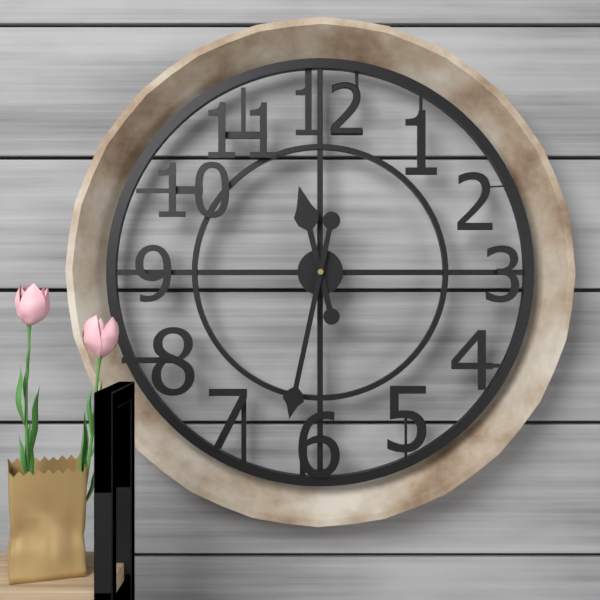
h=11 m=32
